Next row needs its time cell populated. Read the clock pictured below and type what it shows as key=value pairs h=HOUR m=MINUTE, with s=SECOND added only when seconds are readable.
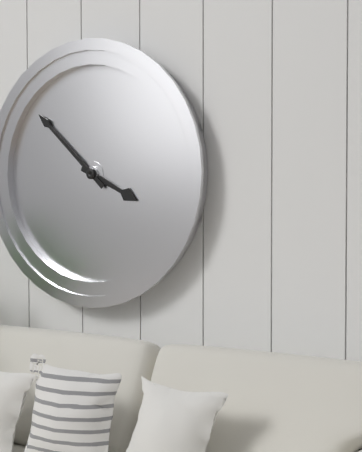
h=3 m=52
